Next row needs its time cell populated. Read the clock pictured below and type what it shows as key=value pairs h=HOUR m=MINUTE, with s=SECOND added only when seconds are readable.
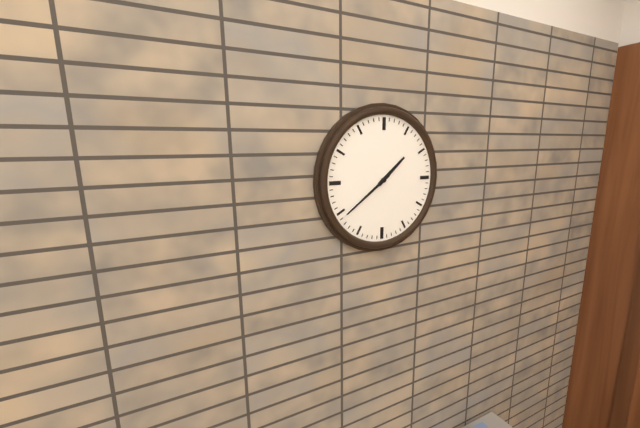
h=1 m=39
